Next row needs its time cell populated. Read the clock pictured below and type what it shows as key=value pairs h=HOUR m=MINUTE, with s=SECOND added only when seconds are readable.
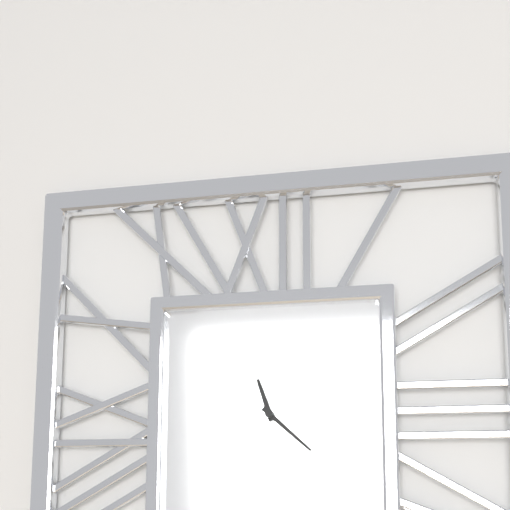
h=11 m=22
